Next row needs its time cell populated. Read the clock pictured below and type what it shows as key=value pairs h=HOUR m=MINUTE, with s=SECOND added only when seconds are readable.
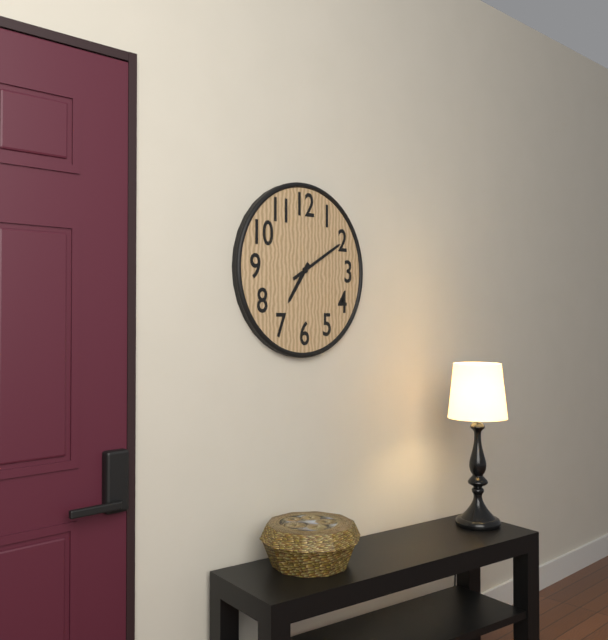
h=7 m=10
